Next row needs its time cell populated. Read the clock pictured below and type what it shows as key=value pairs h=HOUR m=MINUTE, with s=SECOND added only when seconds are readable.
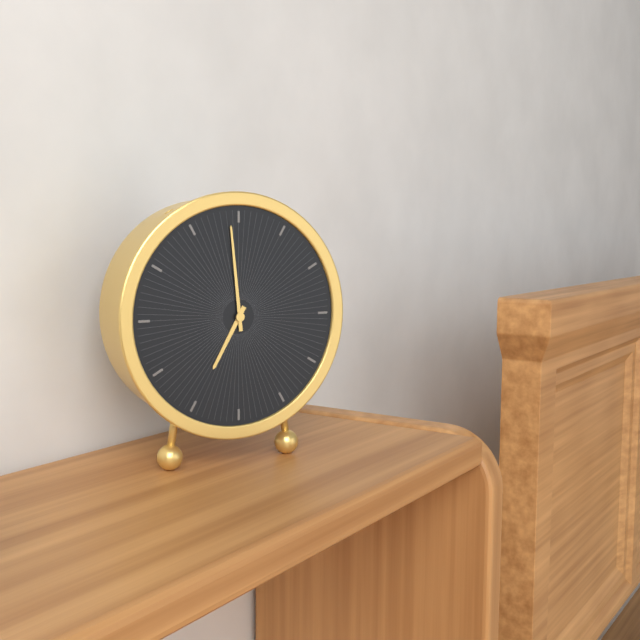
h=6 m=59
